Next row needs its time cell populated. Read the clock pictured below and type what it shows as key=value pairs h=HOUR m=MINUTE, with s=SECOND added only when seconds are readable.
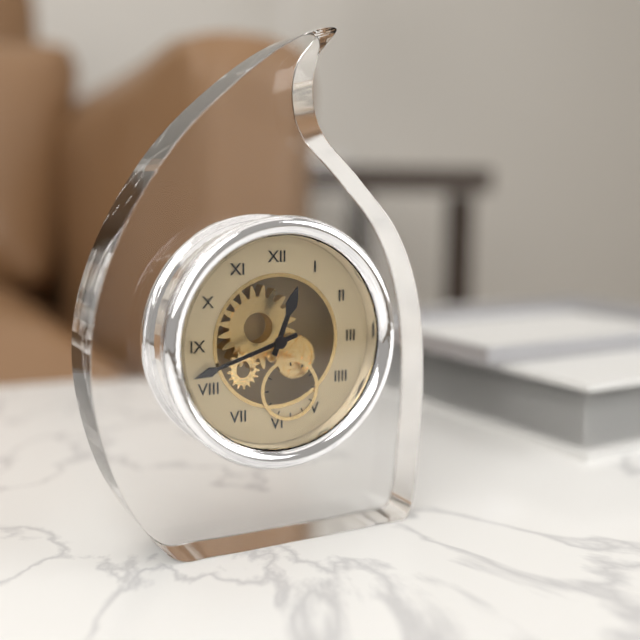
h=12 m=42
